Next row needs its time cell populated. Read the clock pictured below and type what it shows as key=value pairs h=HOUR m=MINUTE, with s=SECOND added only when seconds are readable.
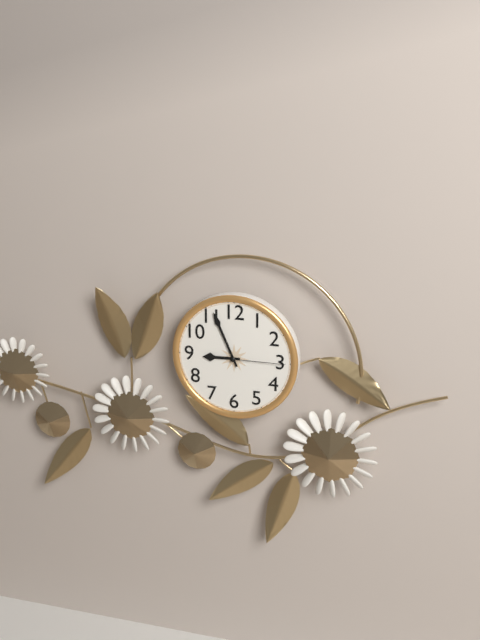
h=8 m=56 s=15
